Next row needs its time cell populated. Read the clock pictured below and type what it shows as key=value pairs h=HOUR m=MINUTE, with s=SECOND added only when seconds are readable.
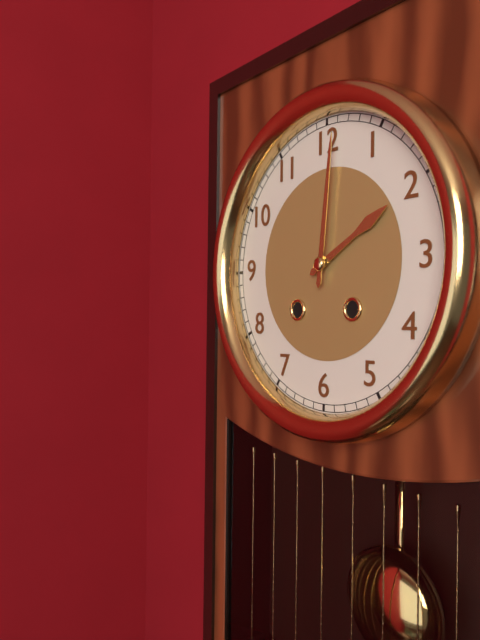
h=2 m=1
